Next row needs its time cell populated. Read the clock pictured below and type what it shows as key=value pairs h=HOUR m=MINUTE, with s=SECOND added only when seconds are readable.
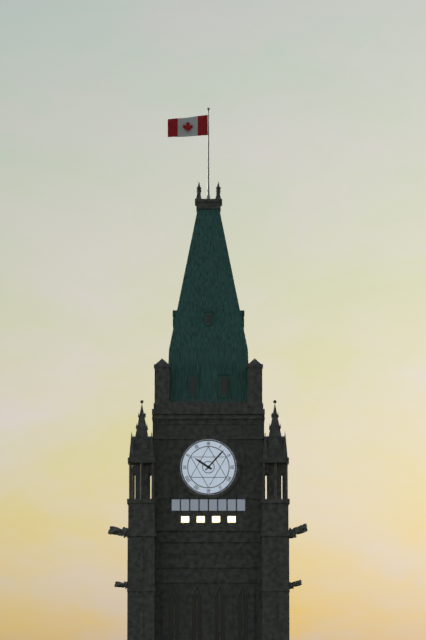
h=10 m=7
